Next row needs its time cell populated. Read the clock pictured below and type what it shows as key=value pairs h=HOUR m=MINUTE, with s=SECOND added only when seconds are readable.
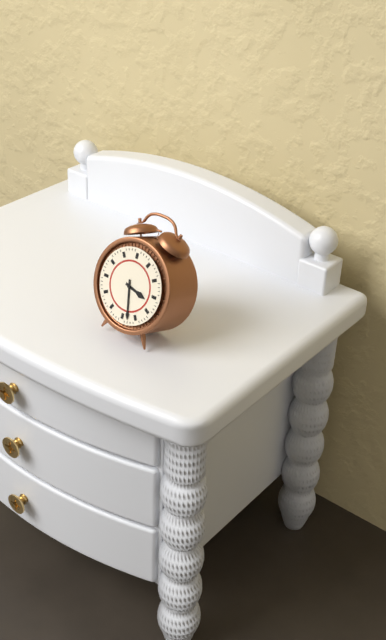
h=3 m=28
